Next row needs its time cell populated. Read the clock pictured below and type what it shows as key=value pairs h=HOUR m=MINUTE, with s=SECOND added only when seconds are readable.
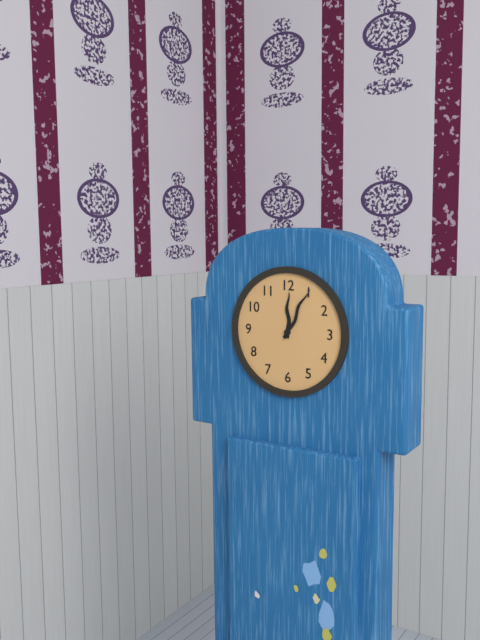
h=12 m=5
